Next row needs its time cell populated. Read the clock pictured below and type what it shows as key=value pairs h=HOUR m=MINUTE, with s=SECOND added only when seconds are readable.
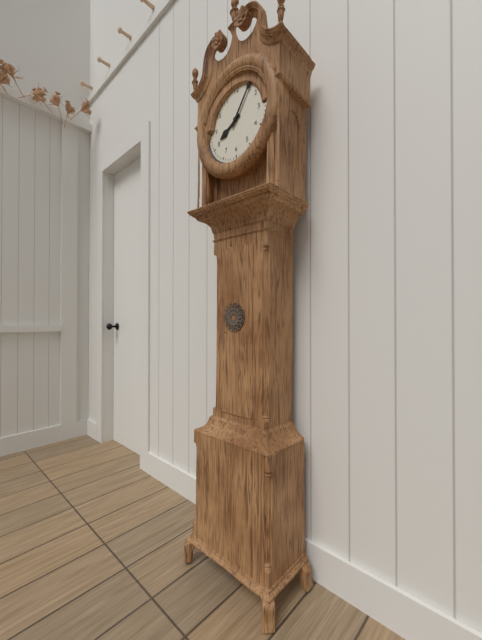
h=8 m=6
